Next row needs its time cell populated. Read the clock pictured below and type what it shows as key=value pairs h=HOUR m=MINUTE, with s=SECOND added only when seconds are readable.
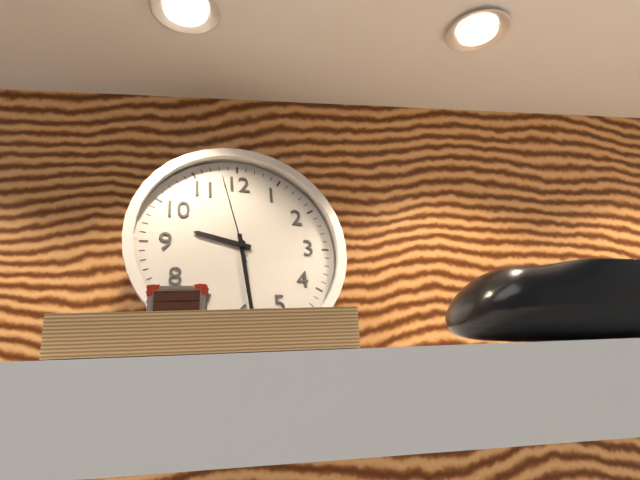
h=9 m=29 s=58
